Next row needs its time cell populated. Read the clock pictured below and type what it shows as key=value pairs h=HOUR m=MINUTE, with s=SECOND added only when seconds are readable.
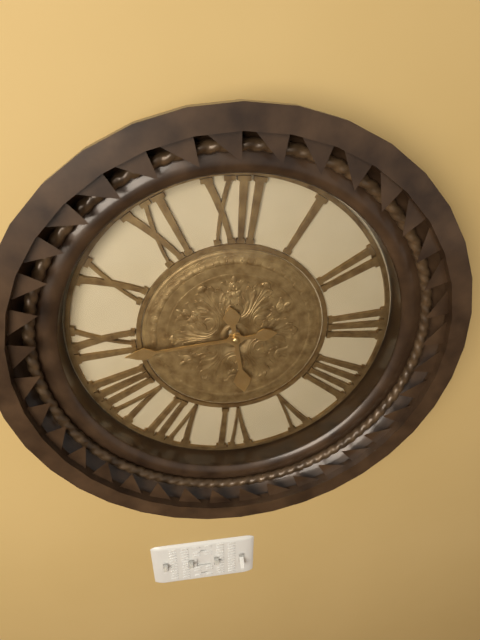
h=5 m=44
